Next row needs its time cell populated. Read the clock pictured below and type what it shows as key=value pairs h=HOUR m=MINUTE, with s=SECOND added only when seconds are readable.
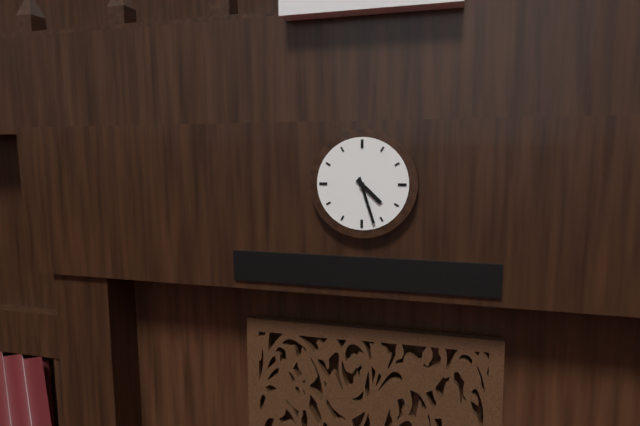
h=4 m=27
